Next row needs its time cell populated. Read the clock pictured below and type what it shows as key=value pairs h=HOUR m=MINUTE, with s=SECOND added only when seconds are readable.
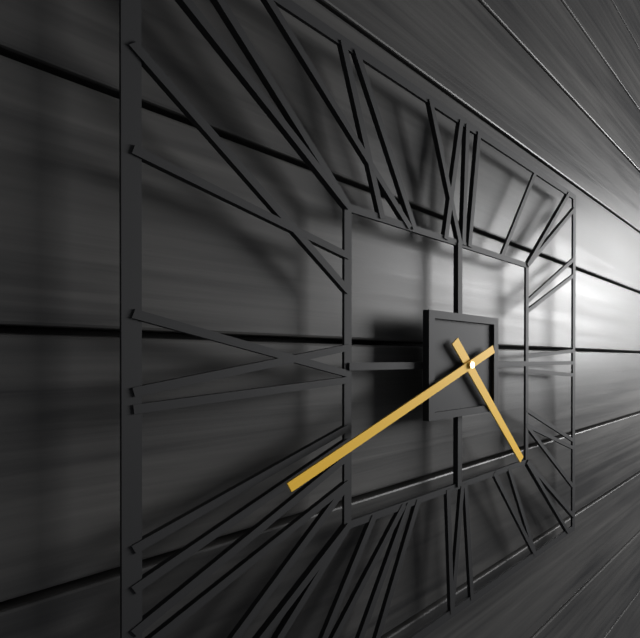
h=4 m=41
